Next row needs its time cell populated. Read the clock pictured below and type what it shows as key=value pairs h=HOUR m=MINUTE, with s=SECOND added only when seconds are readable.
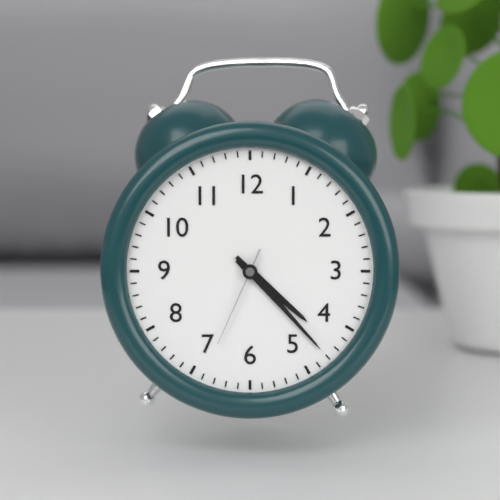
h=4 m=23 s=34
